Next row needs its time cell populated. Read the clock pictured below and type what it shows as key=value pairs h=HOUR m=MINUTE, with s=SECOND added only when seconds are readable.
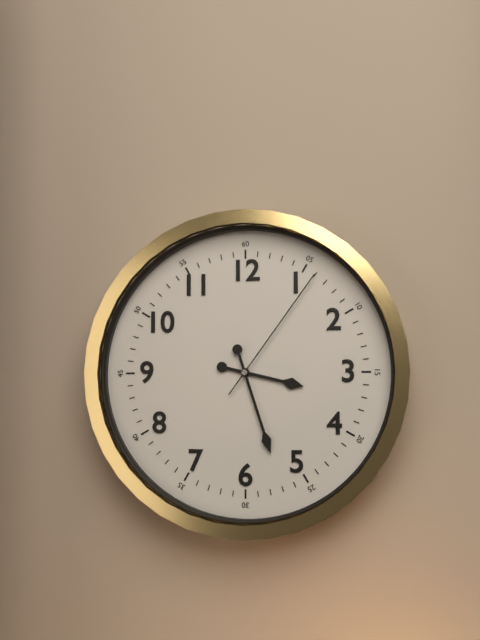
h=3 m=27 s=6
